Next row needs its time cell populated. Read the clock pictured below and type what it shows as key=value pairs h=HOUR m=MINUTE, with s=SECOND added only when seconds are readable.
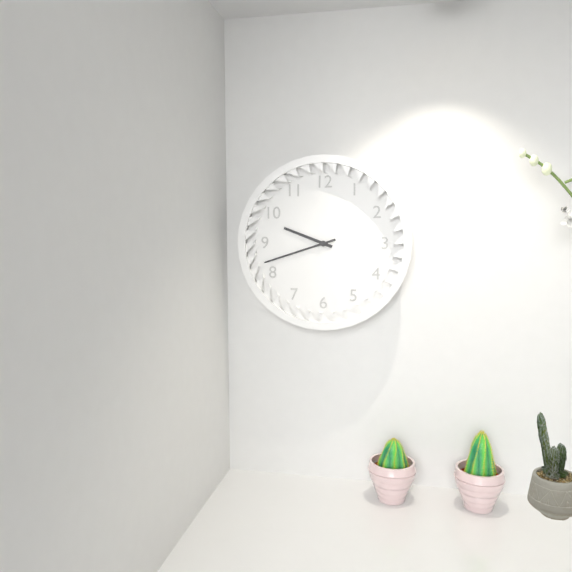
h=9 m=42
